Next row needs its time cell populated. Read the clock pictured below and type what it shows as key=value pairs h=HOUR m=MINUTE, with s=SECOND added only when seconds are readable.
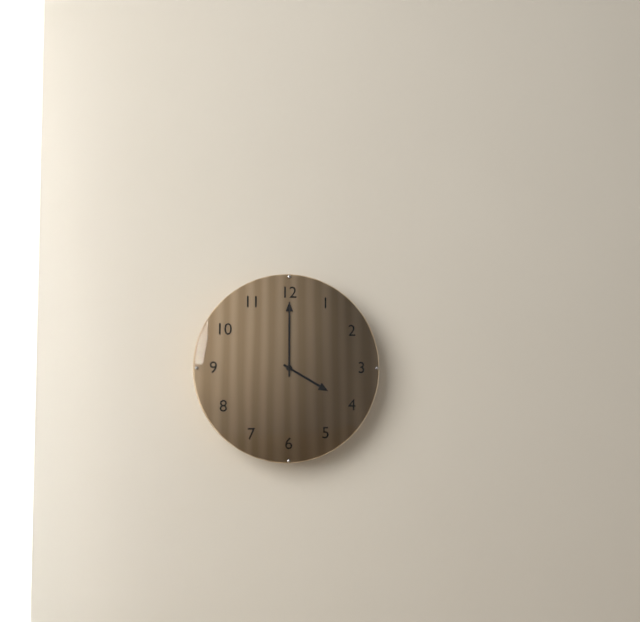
h=4 m=0
